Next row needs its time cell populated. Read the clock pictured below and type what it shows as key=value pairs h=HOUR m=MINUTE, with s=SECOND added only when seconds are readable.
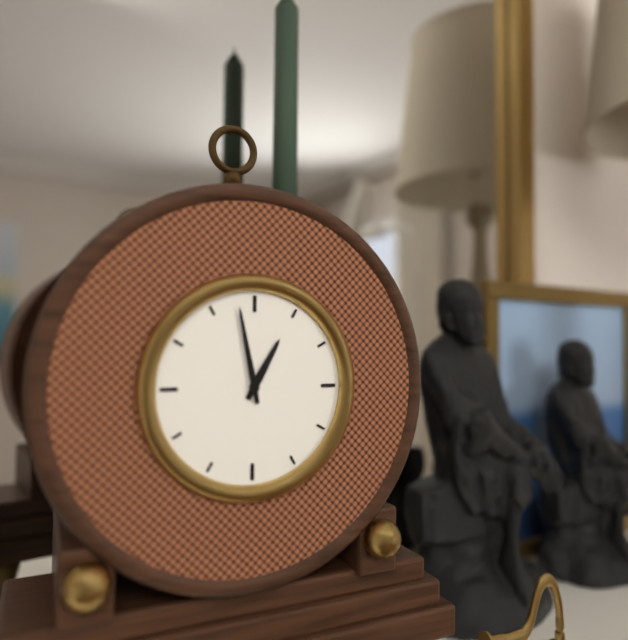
h=12 m=58
